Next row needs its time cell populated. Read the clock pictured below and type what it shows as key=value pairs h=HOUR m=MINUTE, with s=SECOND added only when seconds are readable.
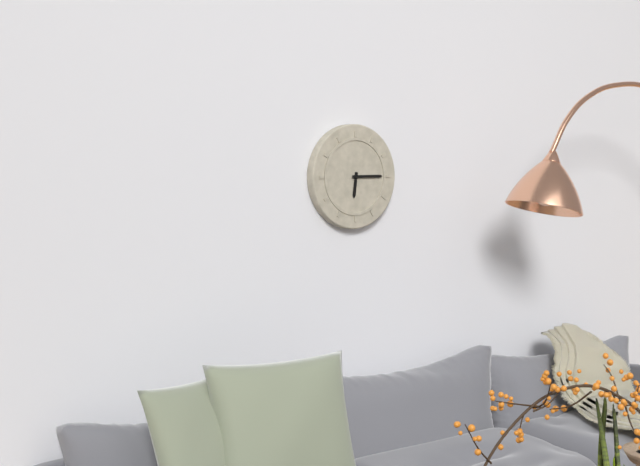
h=6 m=15
